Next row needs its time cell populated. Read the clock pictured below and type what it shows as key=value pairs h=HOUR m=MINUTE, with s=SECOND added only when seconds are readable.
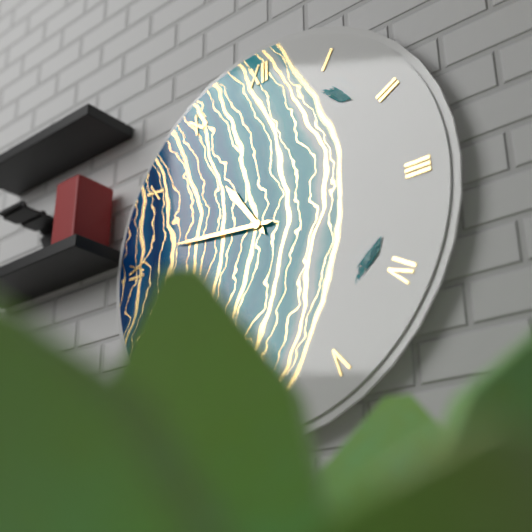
h=10 m=46
